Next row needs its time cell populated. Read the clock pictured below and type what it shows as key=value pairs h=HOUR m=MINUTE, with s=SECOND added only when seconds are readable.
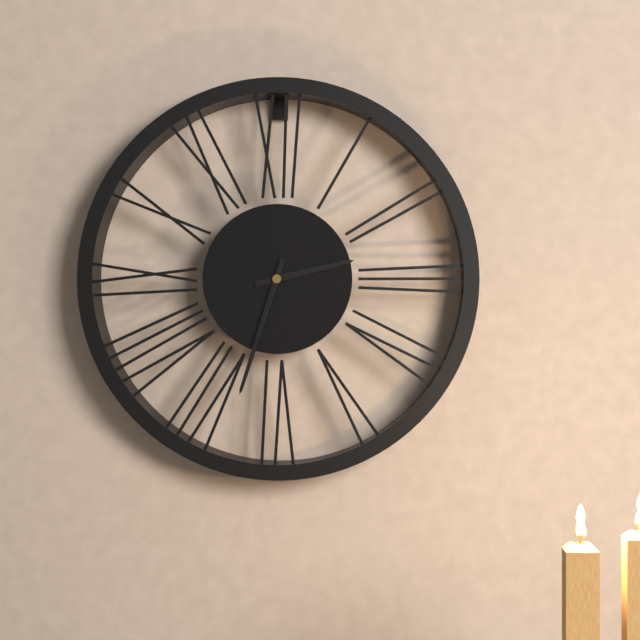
h=2 m=33
